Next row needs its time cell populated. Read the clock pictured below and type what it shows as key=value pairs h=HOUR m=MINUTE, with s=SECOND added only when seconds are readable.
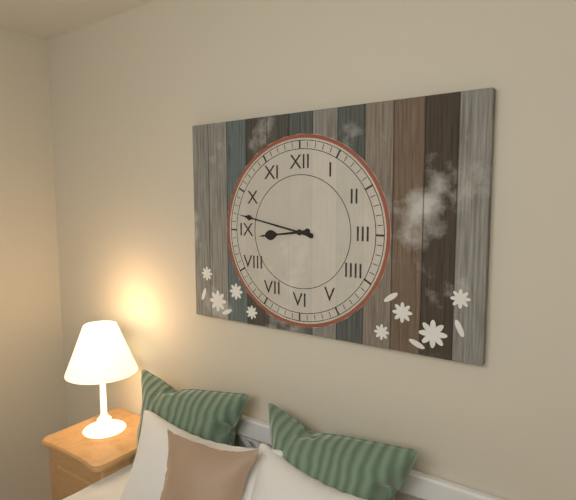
h=8 m=47
